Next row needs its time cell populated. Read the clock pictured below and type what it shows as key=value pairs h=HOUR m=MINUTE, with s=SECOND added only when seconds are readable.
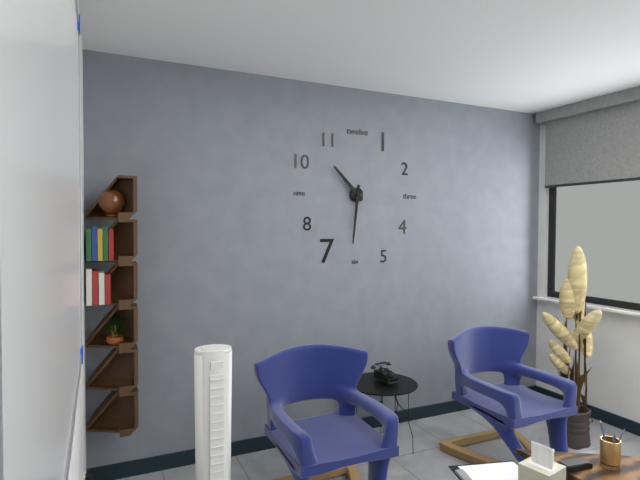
h=10 m=31
